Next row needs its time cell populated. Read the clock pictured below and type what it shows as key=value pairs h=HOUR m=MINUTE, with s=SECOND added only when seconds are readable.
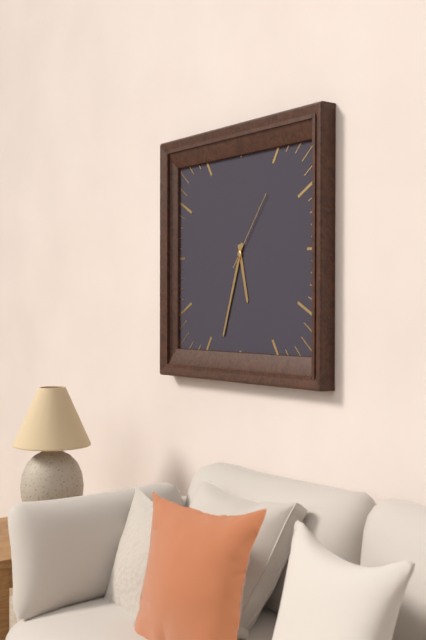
h=5 m=33 s=6
